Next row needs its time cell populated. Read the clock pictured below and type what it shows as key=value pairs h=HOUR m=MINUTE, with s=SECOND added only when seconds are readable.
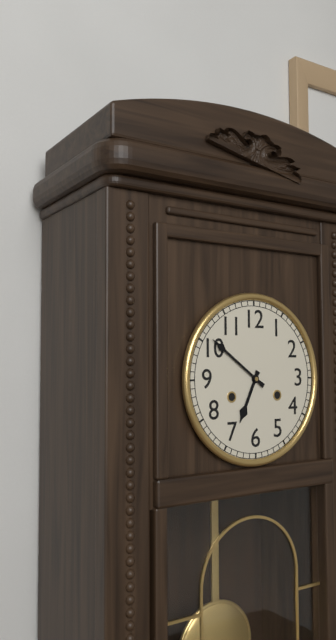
h=6 m=51
